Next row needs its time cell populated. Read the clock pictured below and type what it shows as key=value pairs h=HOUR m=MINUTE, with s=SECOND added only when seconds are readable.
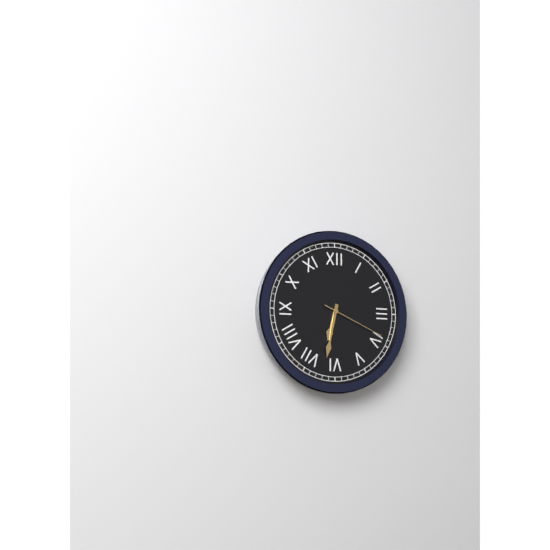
h=6 m=32 s=19
